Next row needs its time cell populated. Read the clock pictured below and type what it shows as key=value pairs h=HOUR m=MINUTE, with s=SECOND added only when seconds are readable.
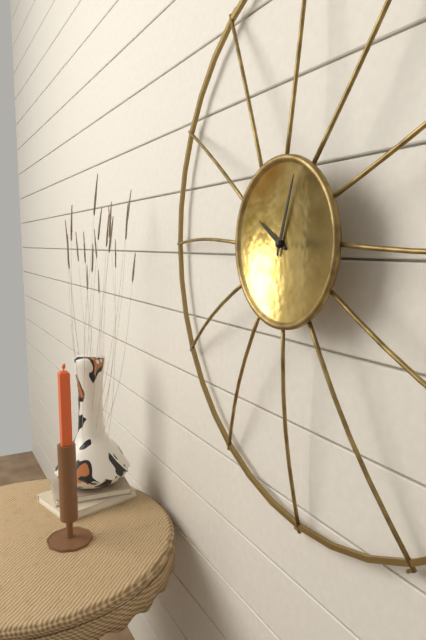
h=10 m=3
